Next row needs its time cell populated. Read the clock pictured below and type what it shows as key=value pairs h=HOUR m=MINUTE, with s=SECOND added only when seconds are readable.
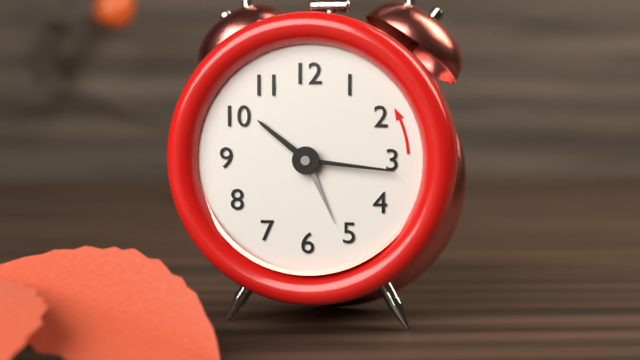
h=10 m=16 s=26
